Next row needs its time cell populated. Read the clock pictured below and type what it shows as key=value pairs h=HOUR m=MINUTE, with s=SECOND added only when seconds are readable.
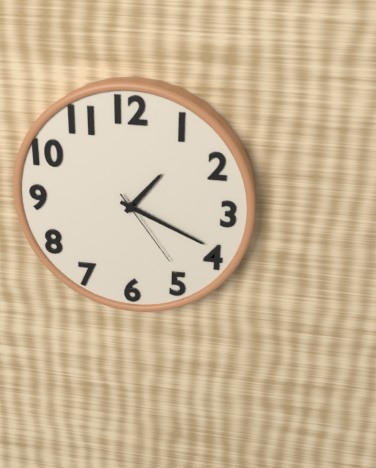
h=1 m=19 s=24
